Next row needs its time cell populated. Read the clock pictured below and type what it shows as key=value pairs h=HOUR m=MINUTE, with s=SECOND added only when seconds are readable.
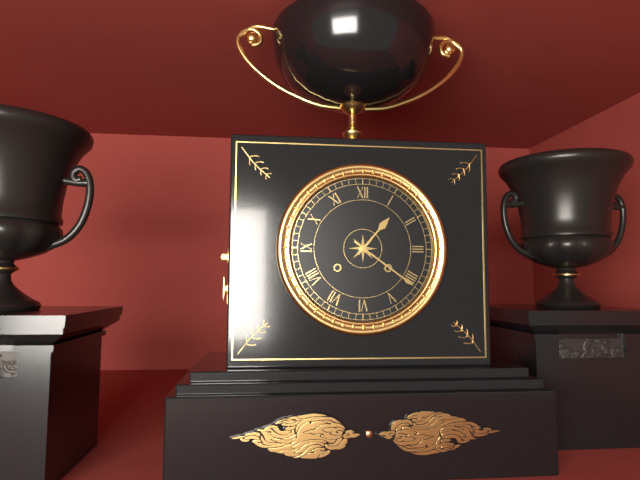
h=1 m=21
